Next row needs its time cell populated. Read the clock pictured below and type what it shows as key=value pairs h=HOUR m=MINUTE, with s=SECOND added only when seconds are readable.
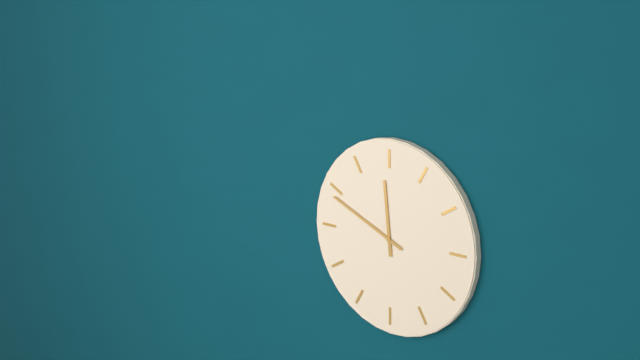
h=11 m=49
